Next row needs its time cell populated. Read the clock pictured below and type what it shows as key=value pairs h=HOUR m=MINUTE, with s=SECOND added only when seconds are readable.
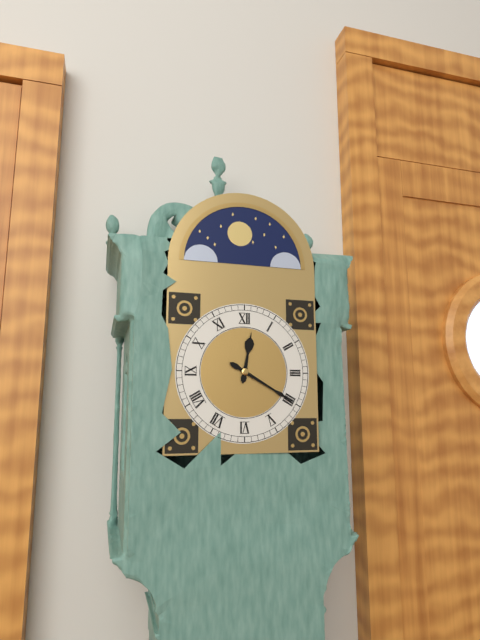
h=12 m=20
